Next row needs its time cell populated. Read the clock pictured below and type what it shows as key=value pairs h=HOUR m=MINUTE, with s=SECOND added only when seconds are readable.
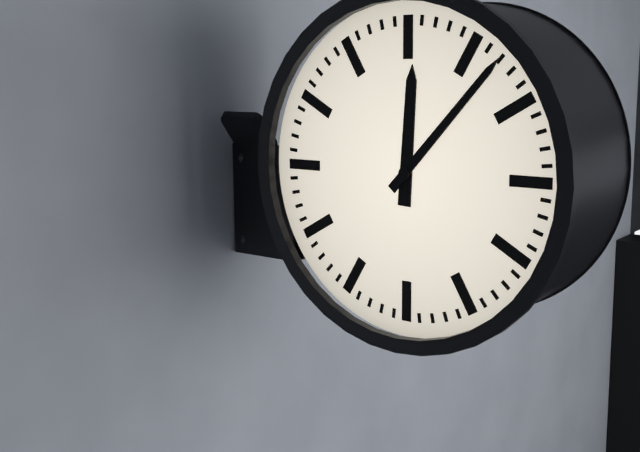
h=12 m=7
